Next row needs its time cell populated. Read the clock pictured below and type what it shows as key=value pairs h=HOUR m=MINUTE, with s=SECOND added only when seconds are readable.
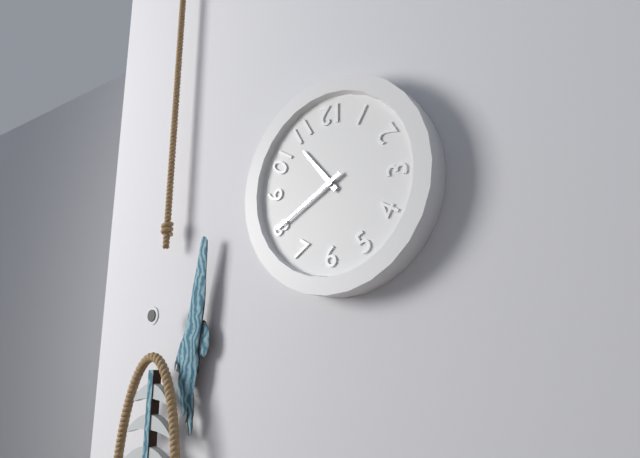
h=10 m=40
